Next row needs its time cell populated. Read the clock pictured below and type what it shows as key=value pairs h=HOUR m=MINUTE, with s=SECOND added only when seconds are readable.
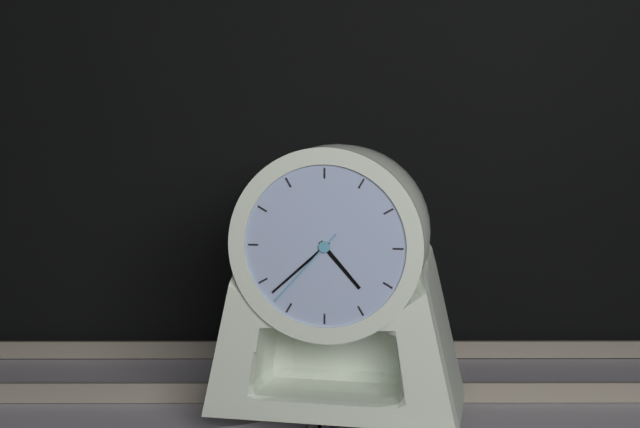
h=4 m=38 s=37
